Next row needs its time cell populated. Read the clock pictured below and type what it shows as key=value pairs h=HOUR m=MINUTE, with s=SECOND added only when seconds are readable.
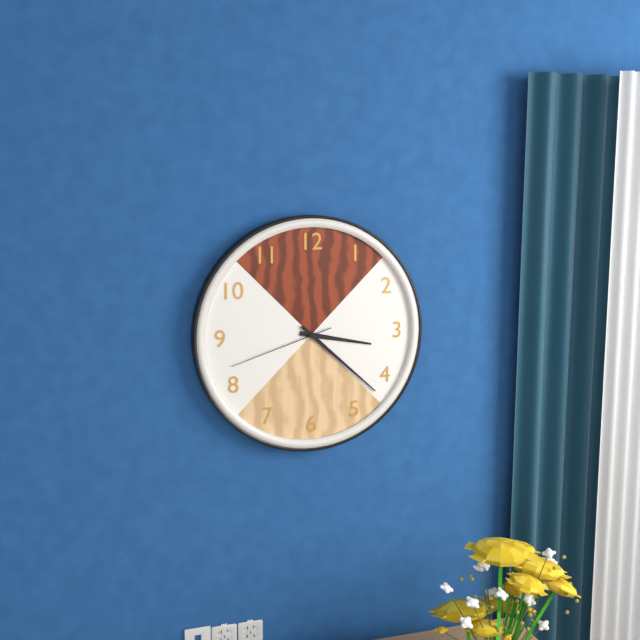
h=3 m=22 s=42
